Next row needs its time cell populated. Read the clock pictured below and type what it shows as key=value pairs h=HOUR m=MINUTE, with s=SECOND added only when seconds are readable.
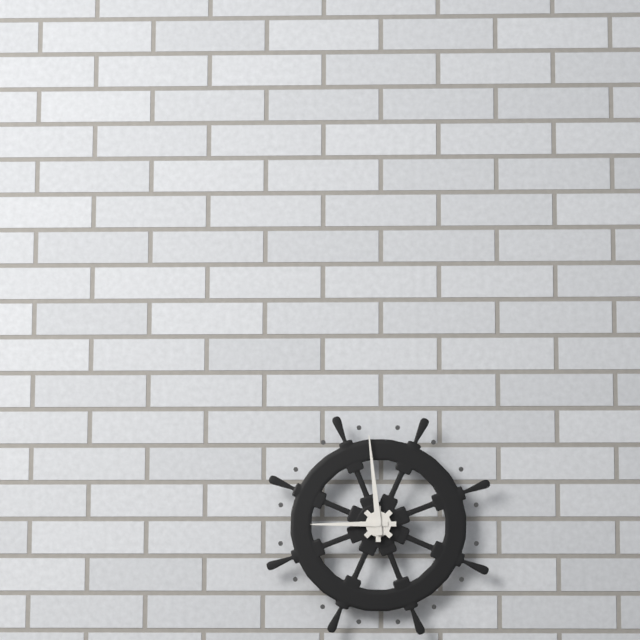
h=8 m=59
